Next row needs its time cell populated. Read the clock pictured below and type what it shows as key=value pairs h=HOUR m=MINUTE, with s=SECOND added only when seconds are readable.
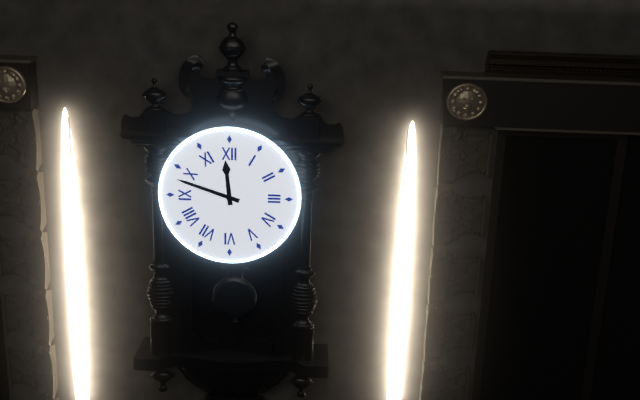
h=11 m=48
